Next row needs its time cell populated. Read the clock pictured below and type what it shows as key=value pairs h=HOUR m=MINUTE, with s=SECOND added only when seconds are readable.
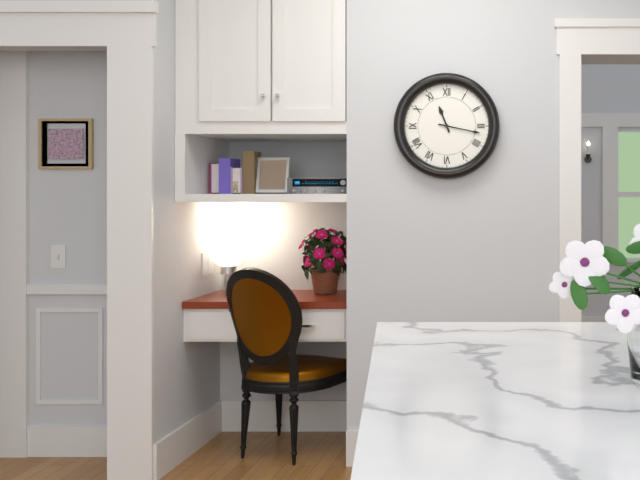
h=11 m=17
